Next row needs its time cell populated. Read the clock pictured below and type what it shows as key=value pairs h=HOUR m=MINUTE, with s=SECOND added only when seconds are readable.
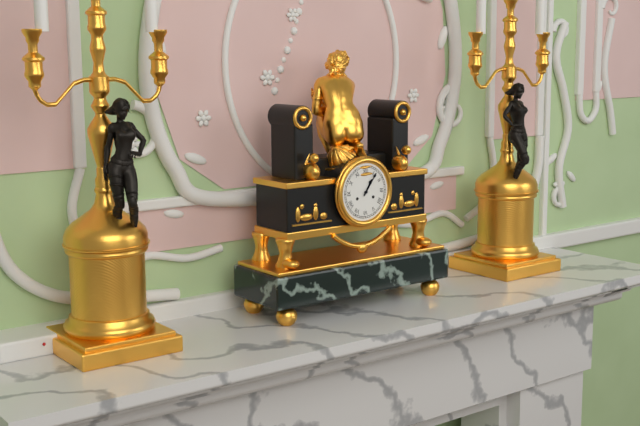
h=1 m=6
